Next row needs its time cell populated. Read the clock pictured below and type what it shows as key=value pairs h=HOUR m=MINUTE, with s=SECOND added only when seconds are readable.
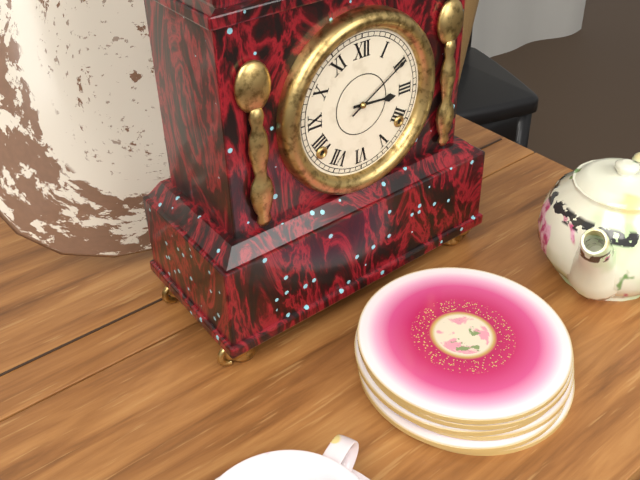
h=3 m=10
